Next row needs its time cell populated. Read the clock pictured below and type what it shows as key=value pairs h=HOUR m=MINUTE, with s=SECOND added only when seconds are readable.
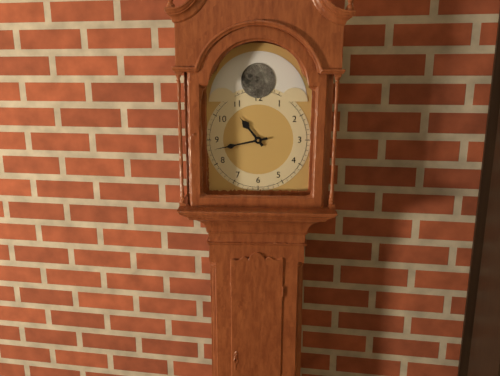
h=10 m=43
